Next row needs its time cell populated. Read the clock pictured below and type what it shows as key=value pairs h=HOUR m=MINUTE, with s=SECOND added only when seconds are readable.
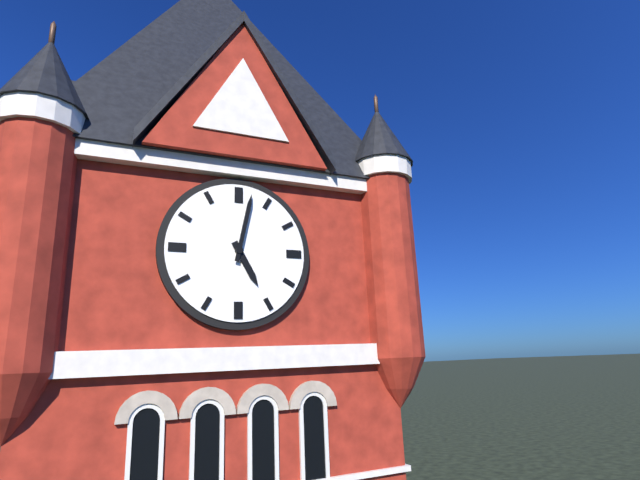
h=5 m=2
